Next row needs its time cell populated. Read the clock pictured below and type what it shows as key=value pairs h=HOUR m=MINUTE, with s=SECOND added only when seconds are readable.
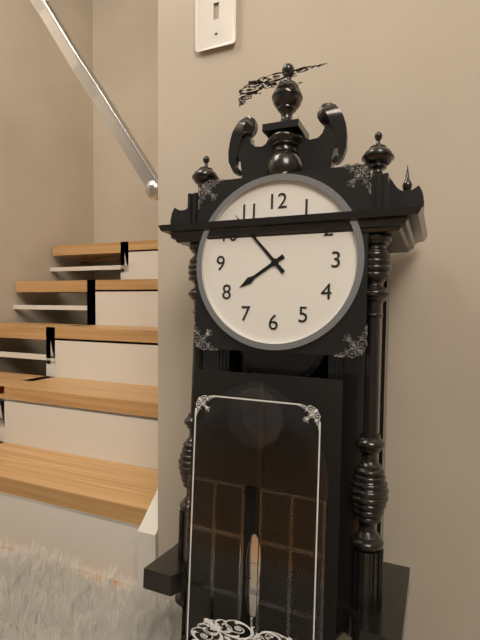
h=7 m=53
